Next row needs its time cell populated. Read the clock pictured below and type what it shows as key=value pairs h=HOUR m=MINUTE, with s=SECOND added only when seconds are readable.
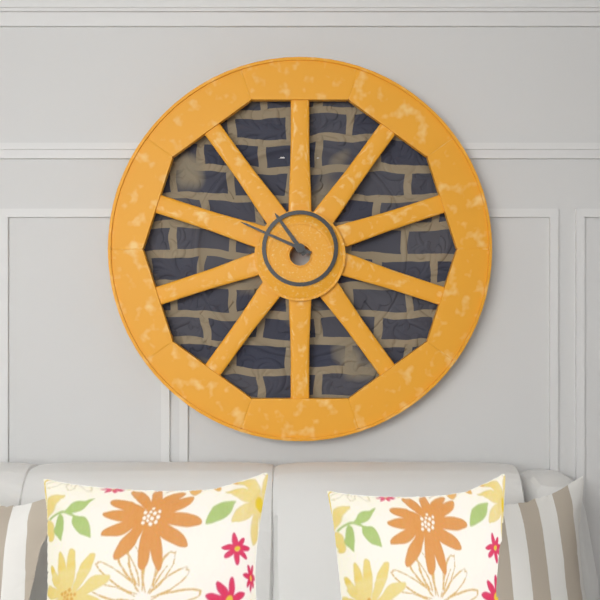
h=10 m=49
